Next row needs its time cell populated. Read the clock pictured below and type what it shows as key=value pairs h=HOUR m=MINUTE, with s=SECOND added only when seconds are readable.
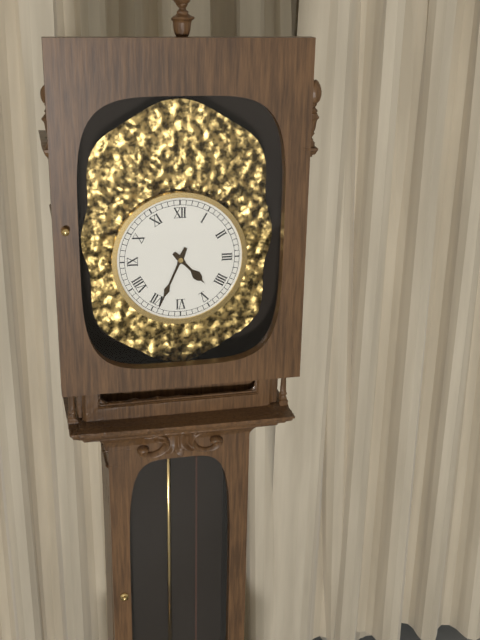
h=4 m=34
